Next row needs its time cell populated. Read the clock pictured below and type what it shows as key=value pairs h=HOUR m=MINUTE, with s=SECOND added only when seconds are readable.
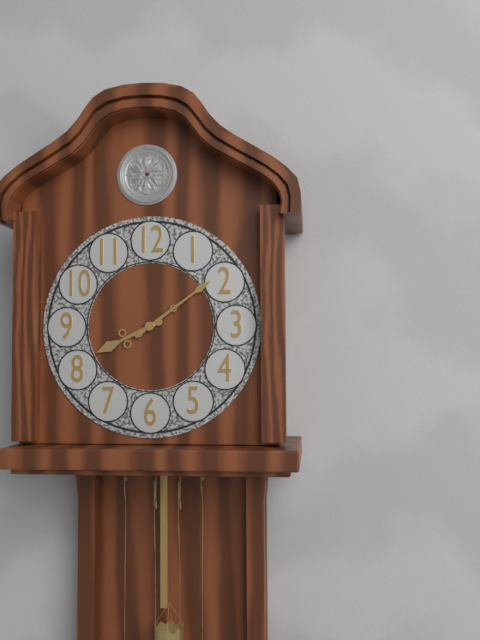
h=8 m=9
